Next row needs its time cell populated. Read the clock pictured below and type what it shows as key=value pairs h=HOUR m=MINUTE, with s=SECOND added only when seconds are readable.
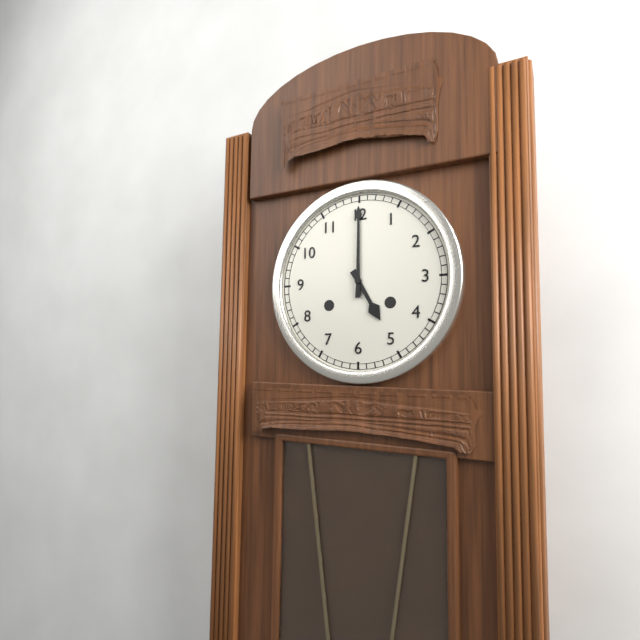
h=5 m=0
